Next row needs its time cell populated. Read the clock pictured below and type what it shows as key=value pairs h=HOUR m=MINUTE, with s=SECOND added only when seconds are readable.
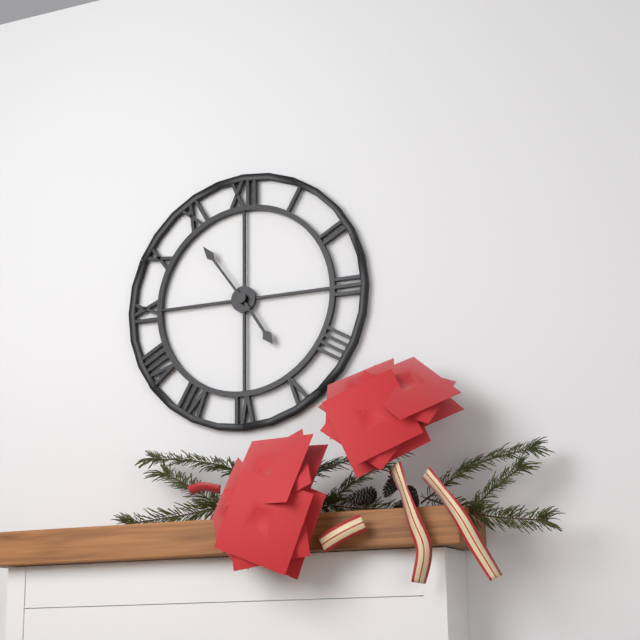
h=4 m=54
